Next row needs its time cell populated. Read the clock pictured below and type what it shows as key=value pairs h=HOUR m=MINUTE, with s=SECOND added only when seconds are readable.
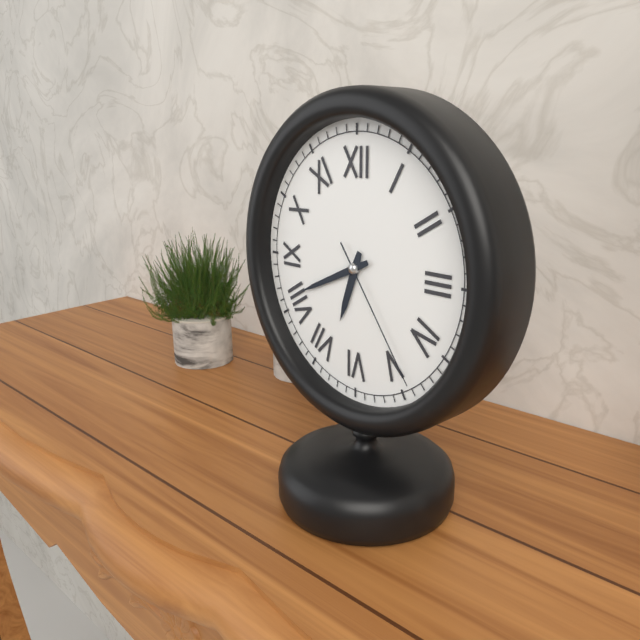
h=6 m=41 s=24
